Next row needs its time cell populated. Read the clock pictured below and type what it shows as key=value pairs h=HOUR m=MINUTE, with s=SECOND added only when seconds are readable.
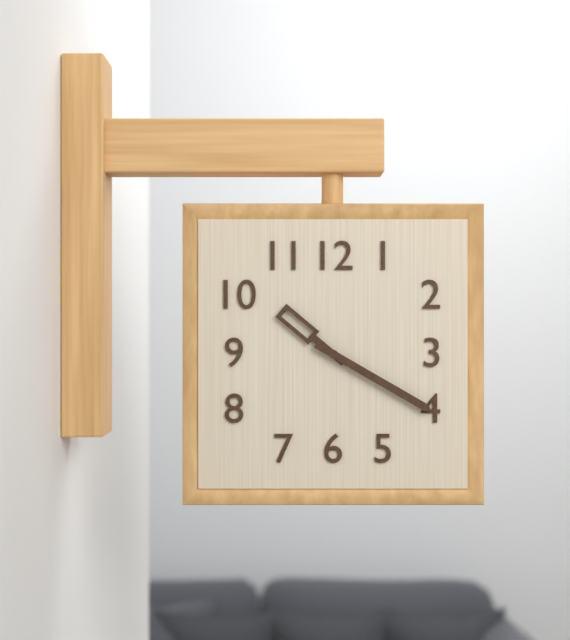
h=10 m=20
